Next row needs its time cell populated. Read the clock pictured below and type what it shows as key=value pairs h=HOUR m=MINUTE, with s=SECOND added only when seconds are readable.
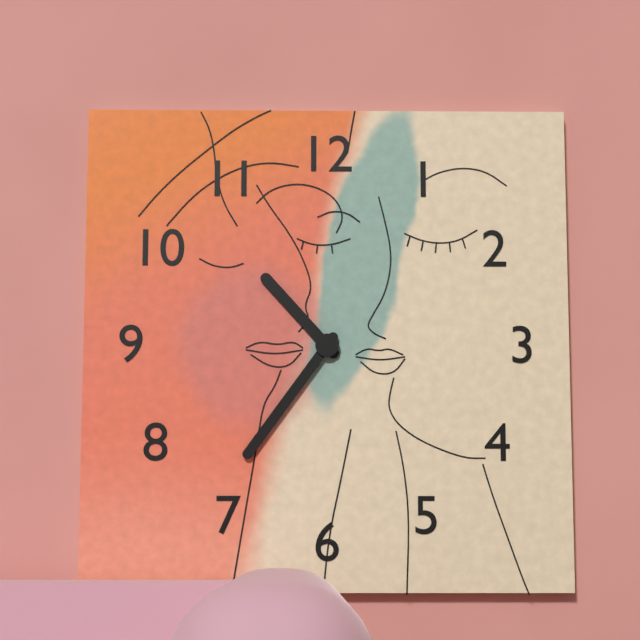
h=10 m=36
